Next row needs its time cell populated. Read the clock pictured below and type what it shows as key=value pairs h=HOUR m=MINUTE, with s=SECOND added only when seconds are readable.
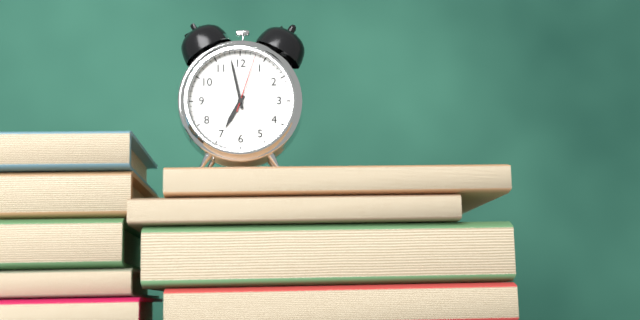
h=6 m=58 s=3
